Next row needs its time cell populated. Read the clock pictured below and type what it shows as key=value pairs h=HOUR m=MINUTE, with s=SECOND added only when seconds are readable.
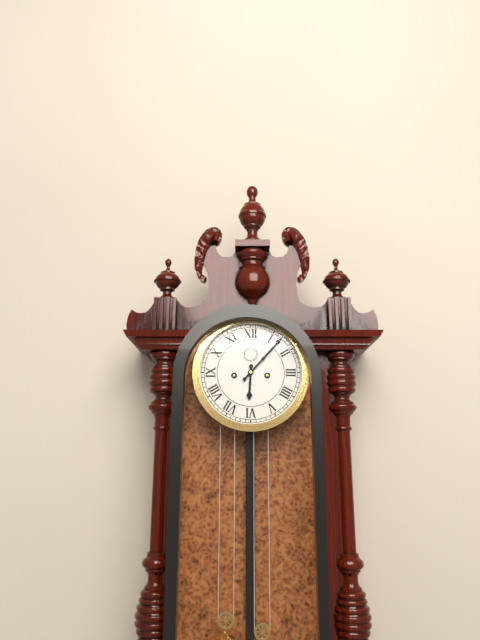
h=6 m=7
